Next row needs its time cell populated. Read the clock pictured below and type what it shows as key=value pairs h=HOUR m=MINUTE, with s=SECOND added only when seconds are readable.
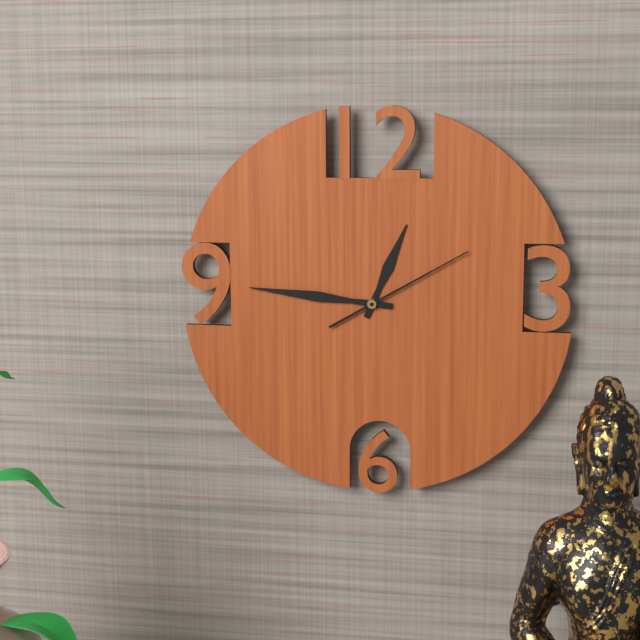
h=12 m=46 s=10
